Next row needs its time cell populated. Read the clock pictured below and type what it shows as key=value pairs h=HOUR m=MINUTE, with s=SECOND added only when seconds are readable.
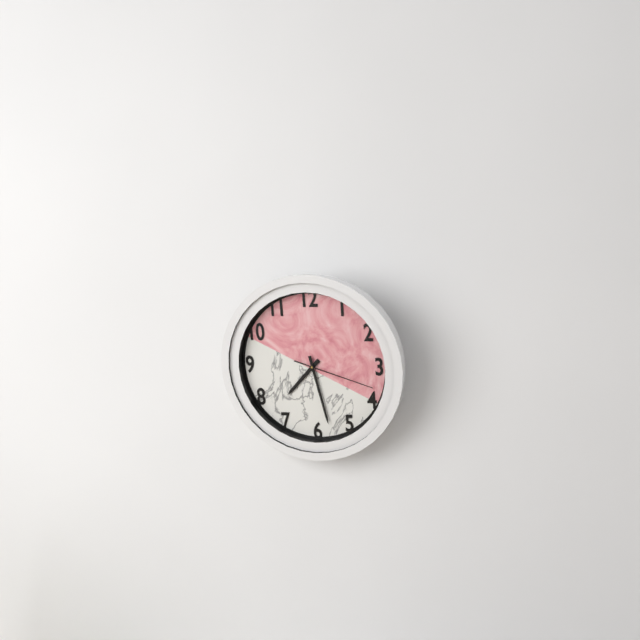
h=7 m=28 s=18
